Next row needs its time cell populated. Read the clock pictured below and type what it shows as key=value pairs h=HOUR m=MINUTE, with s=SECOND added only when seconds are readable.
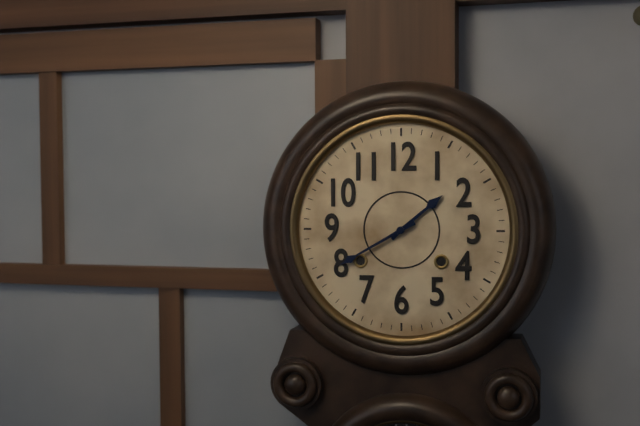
h=1 m=40
